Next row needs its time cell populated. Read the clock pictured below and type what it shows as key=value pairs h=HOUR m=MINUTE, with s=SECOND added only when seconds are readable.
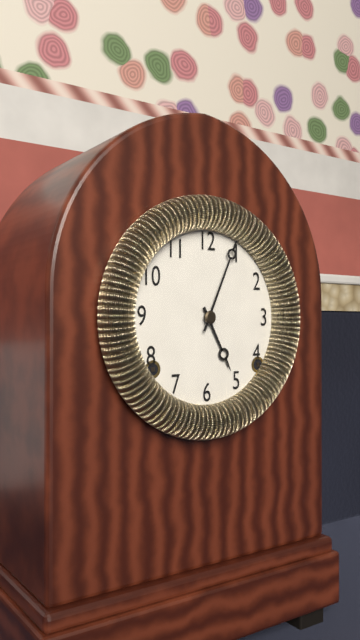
h=5 m=4
